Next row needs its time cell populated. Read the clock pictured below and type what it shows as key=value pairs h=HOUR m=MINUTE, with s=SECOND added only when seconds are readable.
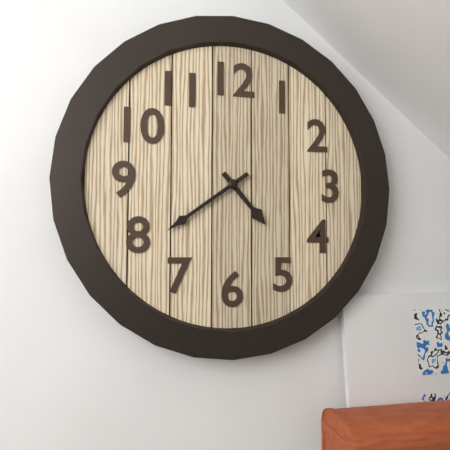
h=4 m=39
